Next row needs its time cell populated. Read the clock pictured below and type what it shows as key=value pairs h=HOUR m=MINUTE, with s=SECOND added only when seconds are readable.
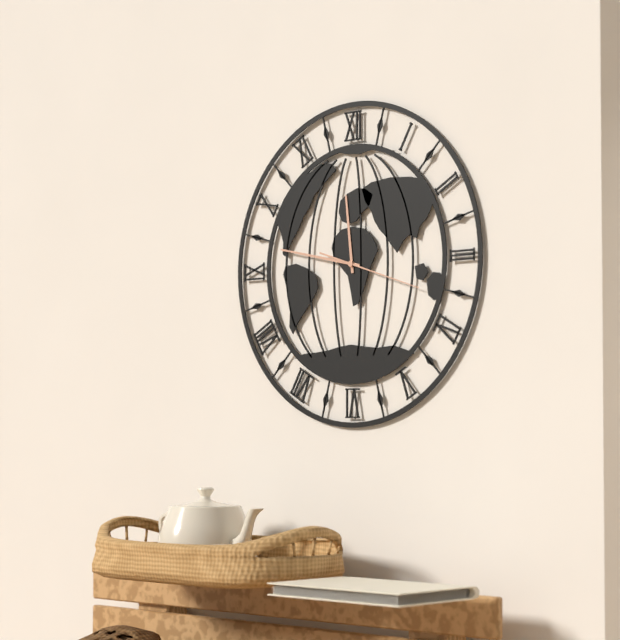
h=11 m=47 s=18
